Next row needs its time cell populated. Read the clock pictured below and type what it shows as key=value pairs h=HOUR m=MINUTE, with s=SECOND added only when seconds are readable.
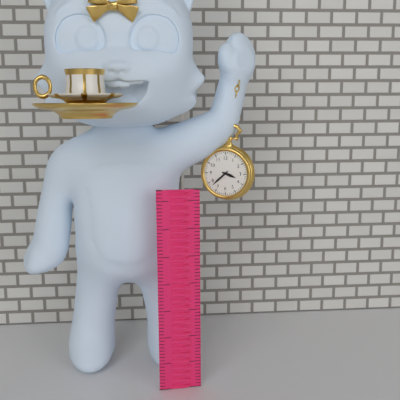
h=3 m=38
